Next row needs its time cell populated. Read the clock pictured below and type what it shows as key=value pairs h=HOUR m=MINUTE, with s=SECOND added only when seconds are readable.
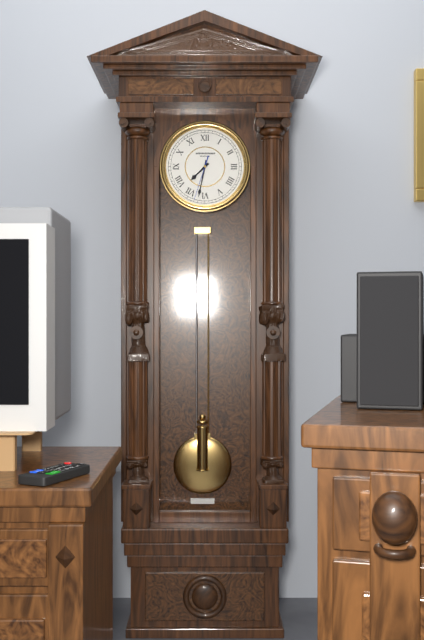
h=7 m=32
